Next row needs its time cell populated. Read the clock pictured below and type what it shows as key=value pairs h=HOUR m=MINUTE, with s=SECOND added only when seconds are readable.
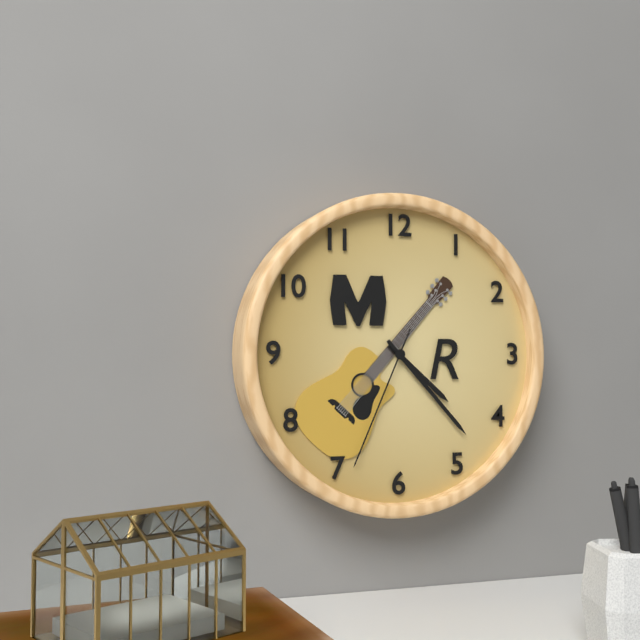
h=4 m=23 s=34
